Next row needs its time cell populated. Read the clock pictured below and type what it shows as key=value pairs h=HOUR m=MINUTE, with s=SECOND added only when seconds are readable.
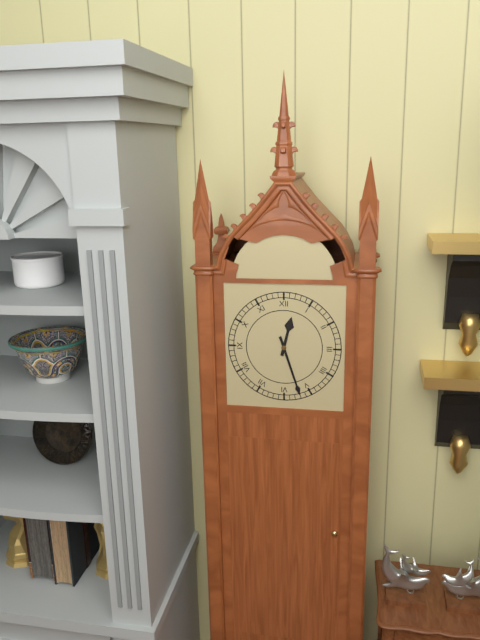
h=12 m=27
